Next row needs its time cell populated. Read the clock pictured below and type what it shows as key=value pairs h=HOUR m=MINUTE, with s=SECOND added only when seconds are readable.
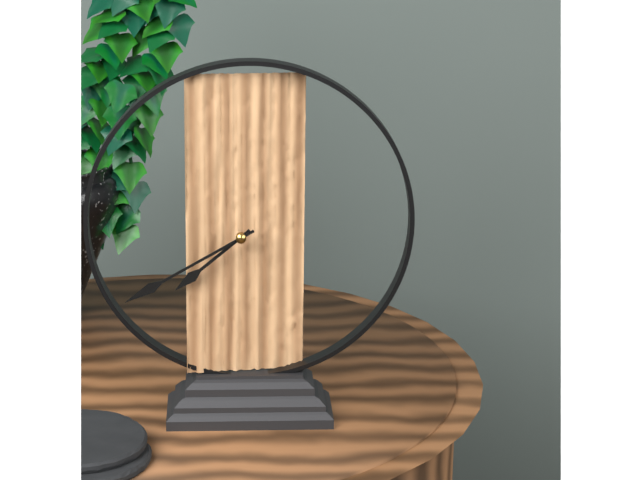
h=7 m=40
